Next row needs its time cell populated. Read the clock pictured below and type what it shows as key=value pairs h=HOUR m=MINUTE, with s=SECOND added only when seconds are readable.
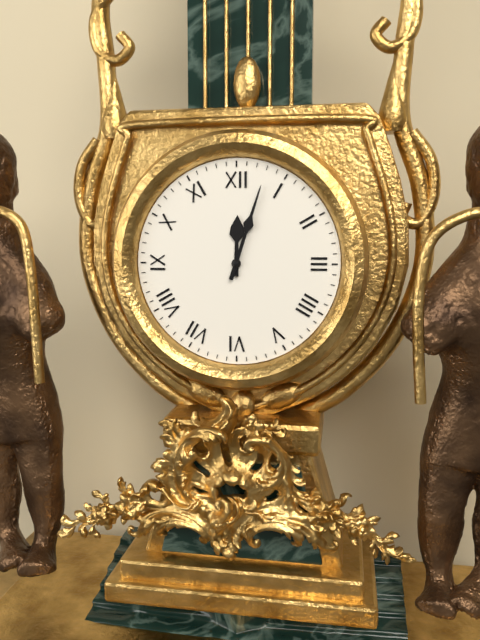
h=12 m=3
